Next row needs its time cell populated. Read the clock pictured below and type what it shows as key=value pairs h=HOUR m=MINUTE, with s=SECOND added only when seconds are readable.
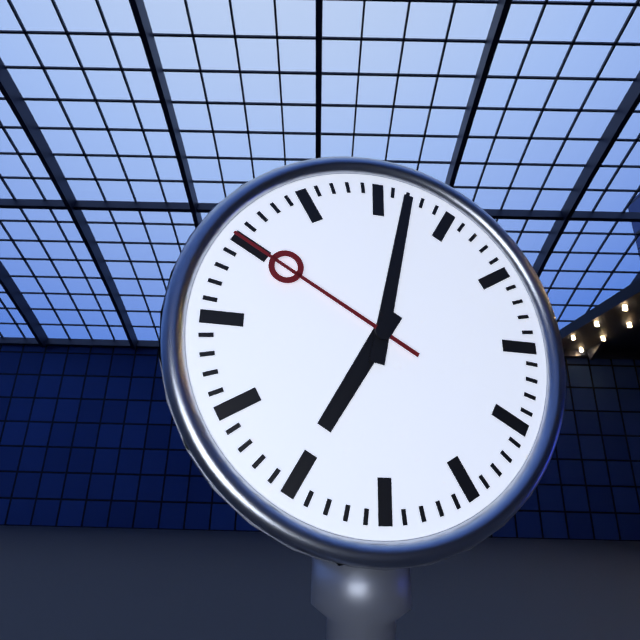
h=7 m=2 s=50
